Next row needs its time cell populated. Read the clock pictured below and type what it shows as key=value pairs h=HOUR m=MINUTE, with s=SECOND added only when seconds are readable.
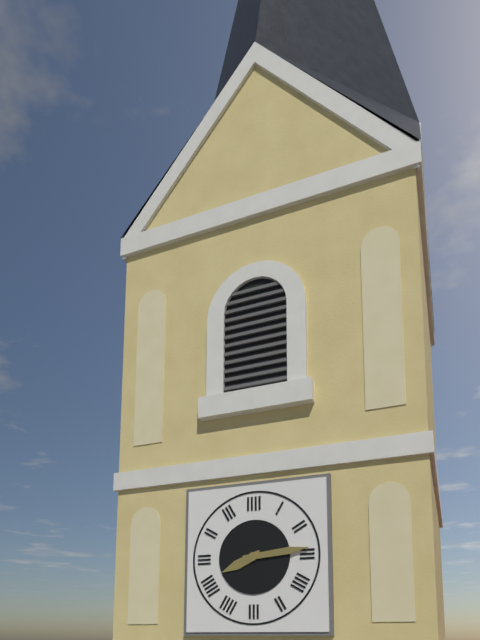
h=8 m=14
